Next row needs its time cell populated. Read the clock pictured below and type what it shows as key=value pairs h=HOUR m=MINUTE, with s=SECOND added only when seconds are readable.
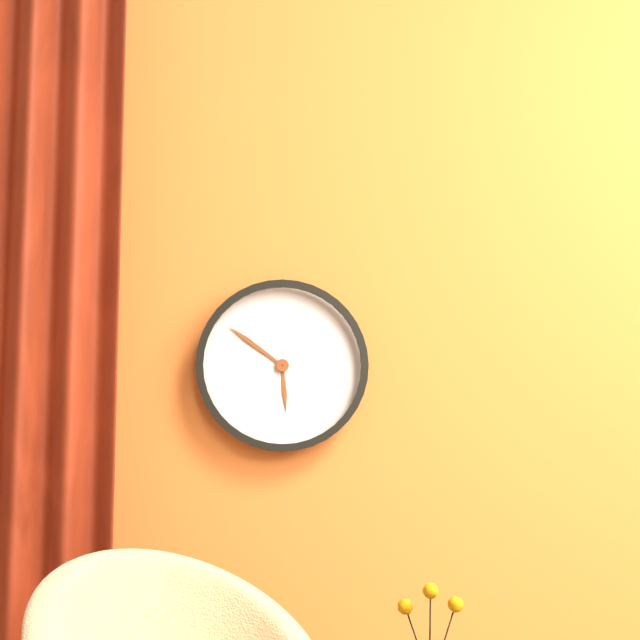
h=5 m=51
